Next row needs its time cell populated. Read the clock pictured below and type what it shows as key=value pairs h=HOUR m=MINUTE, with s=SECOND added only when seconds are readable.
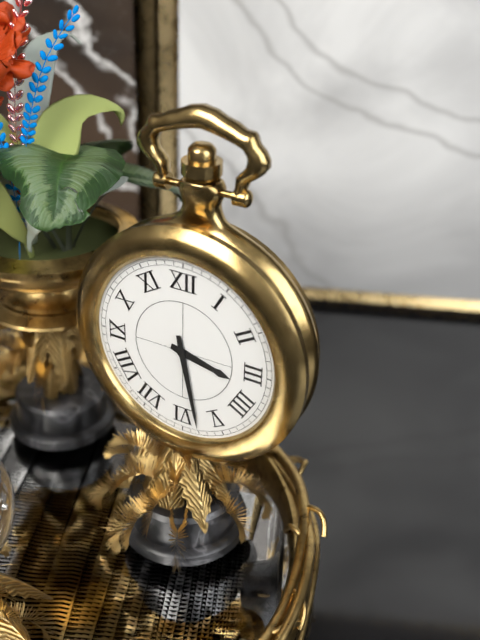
h=3 m=28
